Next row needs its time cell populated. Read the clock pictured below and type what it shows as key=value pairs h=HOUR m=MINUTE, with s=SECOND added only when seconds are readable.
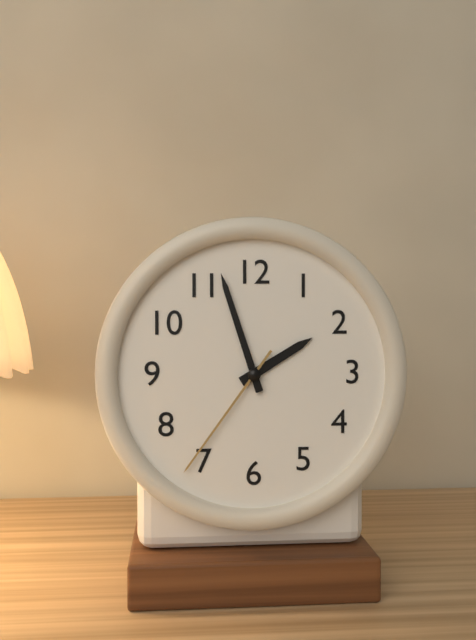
h=1 m=57 s=36
